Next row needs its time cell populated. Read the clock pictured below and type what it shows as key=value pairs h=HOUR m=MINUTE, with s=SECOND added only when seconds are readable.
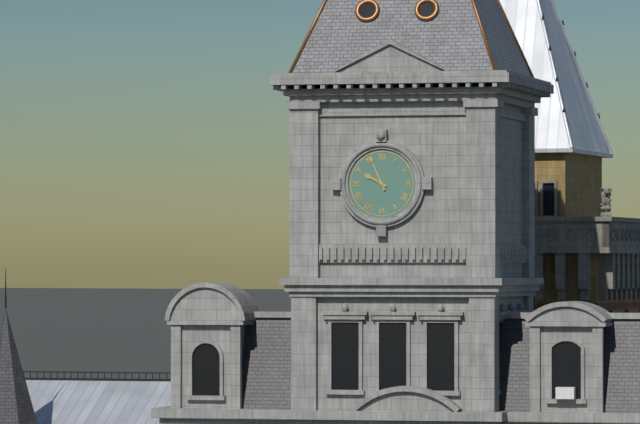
h=9 m=56
